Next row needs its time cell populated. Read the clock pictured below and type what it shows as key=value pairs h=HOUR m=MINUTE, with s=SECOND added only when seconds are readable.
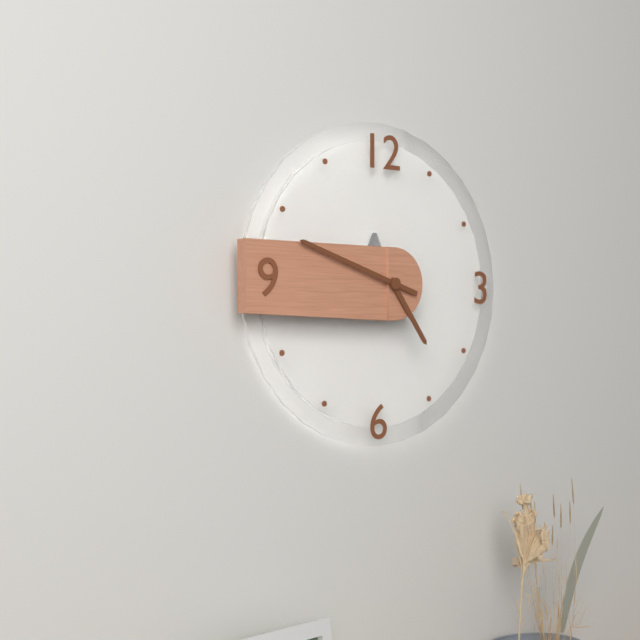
h=4 m=48
